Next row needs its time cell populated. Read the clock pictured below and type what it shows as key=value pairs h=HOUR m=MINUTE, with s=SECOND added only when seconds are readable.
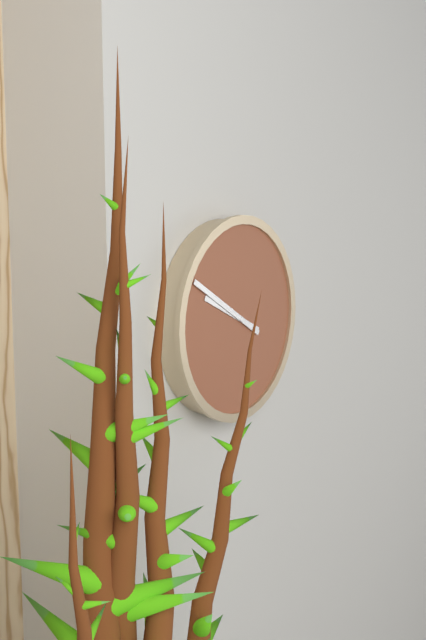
h=9 m=50
